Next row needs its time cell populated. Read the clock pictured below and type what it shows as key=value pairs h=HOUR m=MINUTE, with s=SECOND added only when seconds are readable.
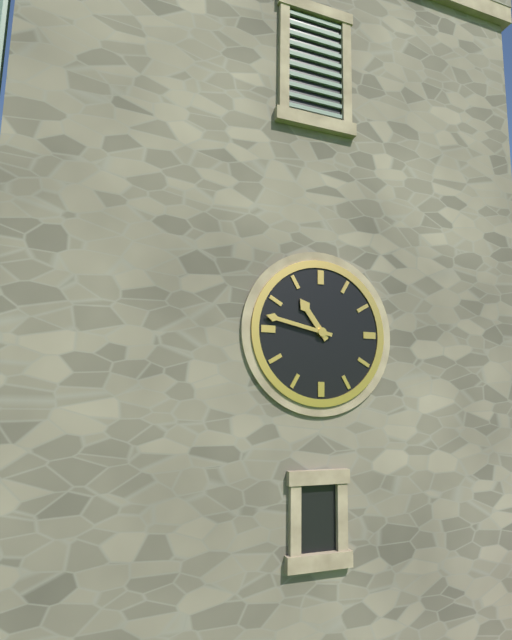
h=10 m=47
